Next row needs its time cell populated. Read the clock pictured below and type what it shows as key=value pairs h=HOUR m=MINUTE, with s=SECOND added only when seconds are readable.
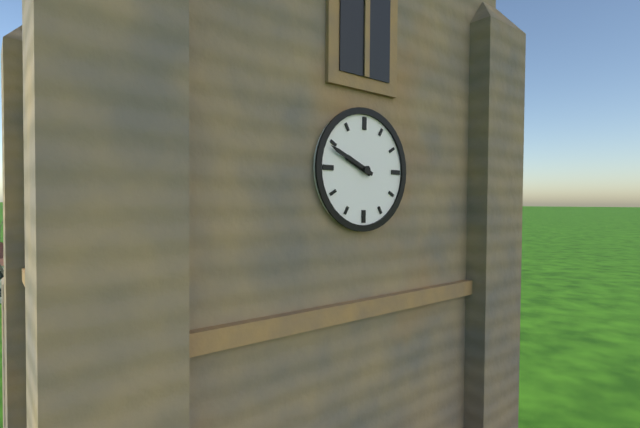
h=9 m=49
